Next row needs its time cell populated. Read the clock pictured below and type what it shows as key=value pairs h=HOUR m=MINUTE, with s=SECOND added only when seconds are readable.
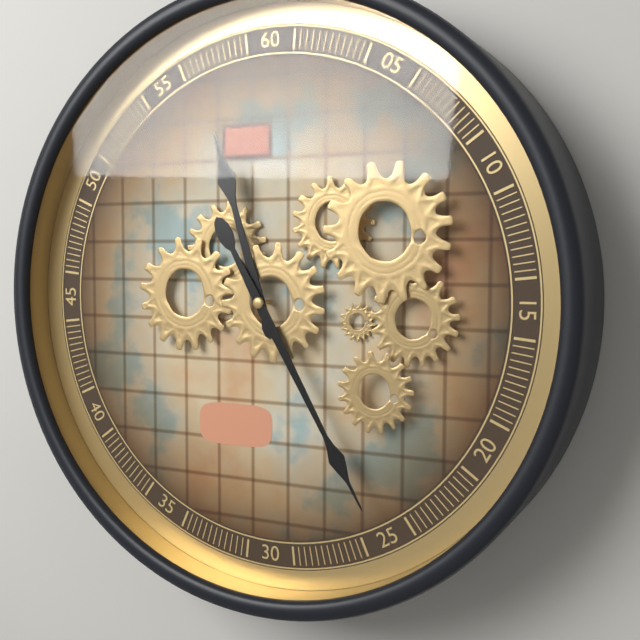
h=11 m=25
